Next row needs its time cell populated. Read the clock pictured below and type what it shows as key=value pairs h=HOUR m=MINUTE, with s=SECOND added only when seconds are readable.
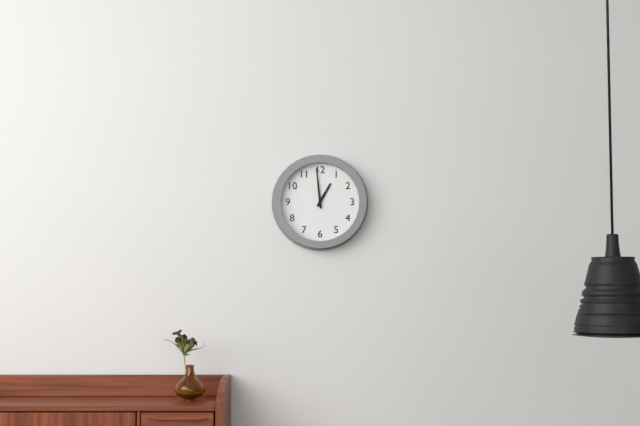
h=12 m=59
